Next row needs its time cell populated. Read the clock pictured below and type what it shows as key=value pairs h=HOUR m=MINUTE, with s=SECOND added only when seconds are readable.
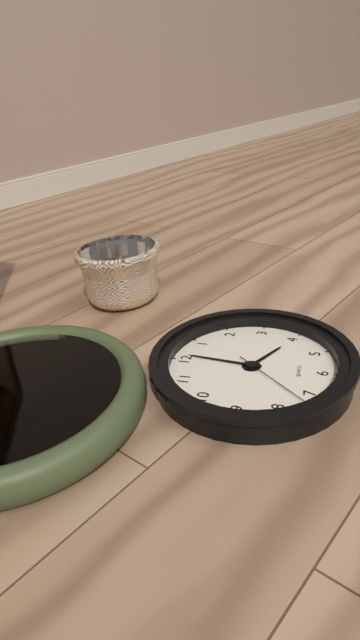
h=4 m=1 s=37
